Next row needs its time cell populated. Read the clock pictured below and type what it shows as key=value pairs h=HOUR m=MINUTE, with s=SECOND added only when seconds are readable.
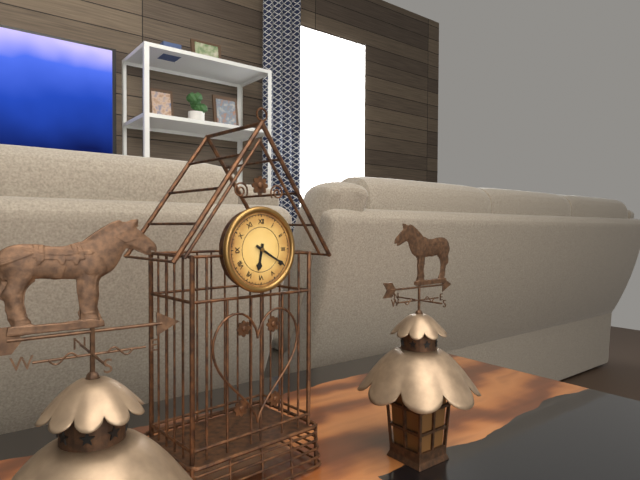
h=6 m=20
